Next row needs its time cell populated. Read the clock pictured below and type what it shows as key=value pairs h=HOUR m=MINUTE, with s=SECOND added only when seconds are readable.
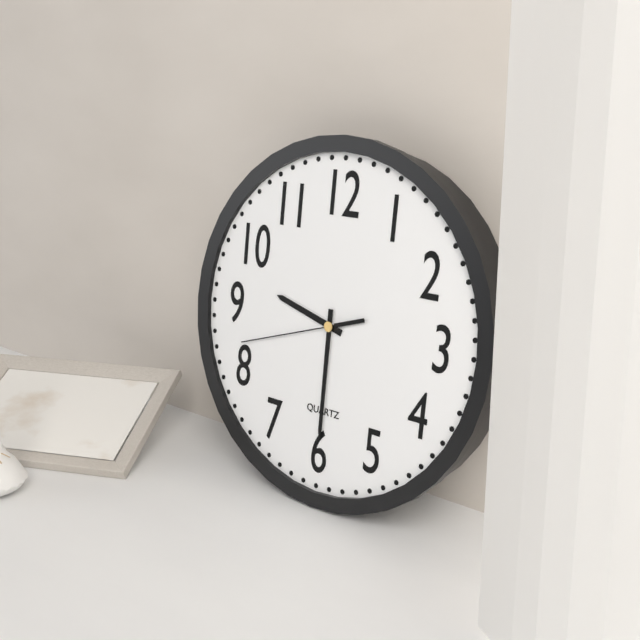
h=9 m=30 s=42
